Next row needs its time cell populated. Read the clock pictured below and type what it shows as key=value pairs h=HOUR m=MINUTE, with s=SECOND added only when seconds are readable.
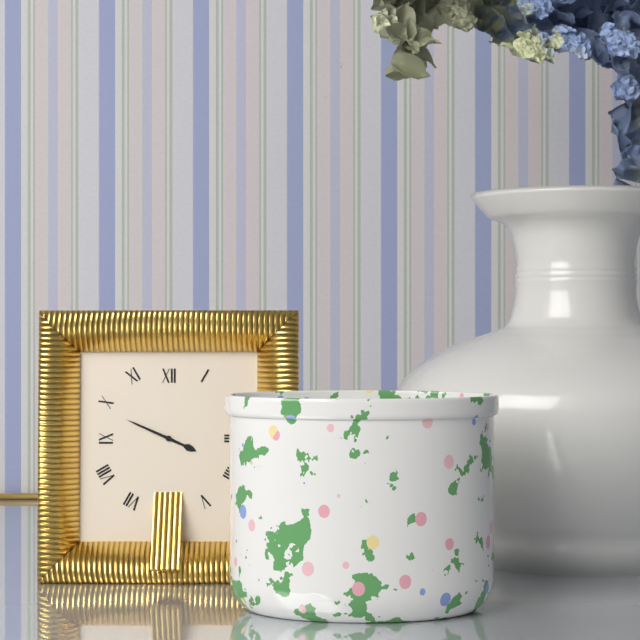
h=3 m=49
